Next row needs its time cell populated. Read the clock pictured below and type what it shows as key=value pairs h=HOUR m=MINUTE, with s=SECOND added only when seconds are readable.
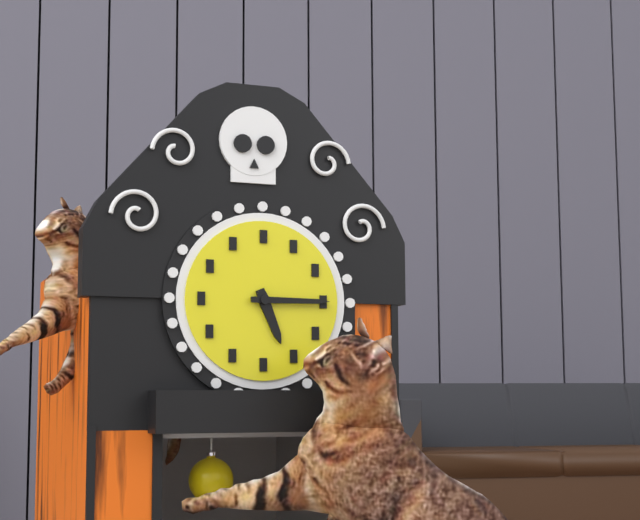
h=5 m=15
